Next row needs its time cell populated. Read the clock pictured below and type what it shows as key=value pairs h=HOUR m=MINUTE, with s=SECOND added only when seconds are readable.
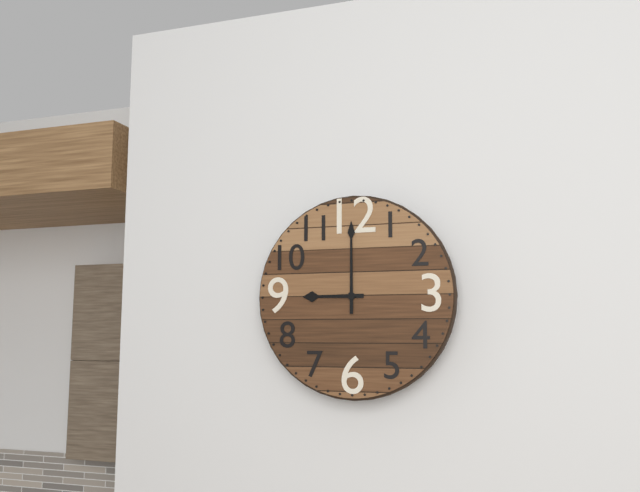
h=9 m=0
